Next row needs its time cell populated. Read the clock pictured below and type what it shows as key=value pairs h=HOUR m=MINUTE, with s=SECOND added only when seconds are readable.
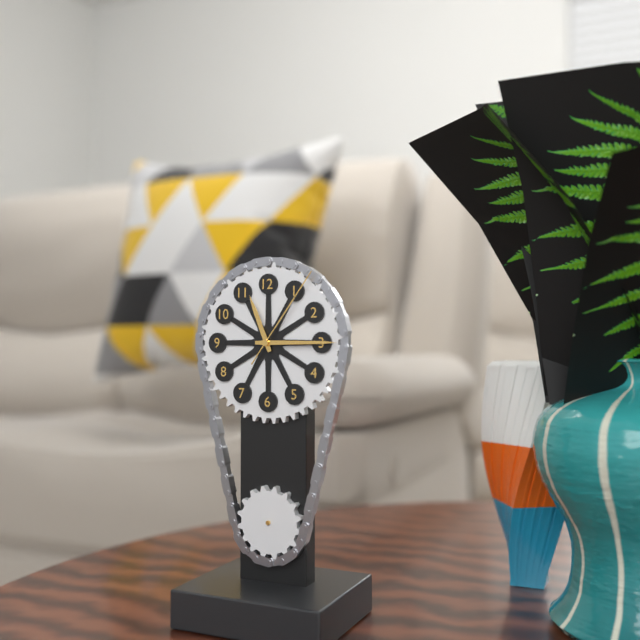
h=11 m=15 s=6
